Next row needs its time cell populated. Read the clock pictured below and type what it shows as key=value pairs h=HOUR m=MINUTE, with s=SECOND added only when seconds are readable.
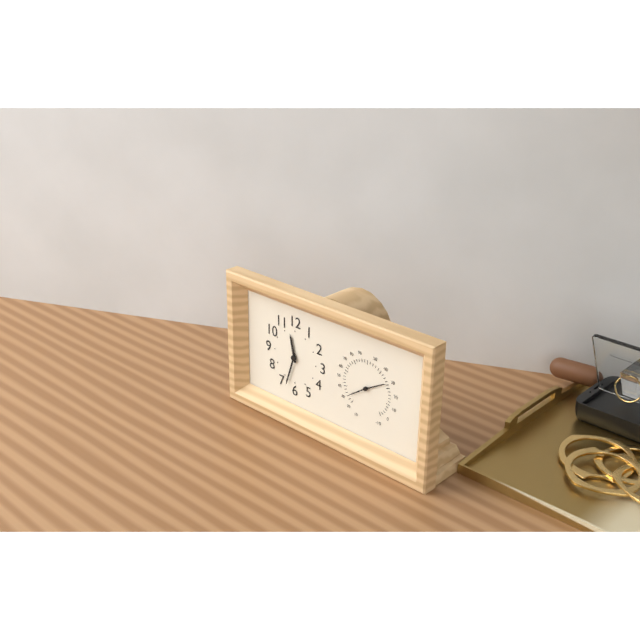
h=11 m=33
